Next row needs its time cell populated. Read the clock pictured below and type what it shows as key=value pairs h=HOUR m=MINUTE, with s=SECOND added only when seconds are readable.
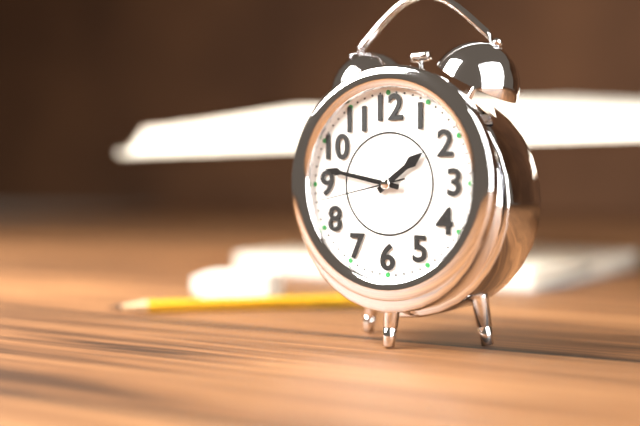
h=1 m=47 s=43
